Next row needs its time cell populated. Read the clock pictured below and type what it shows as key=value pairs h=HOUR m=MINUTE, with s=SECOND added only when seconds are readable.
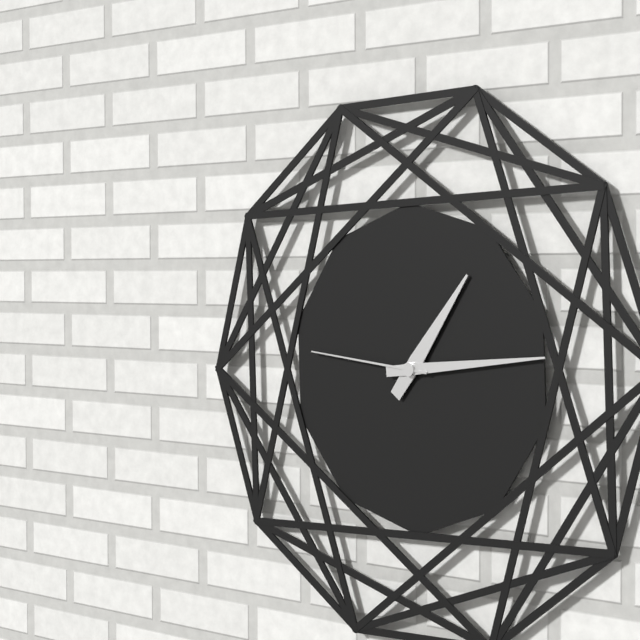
h=1 m=14 s=46
